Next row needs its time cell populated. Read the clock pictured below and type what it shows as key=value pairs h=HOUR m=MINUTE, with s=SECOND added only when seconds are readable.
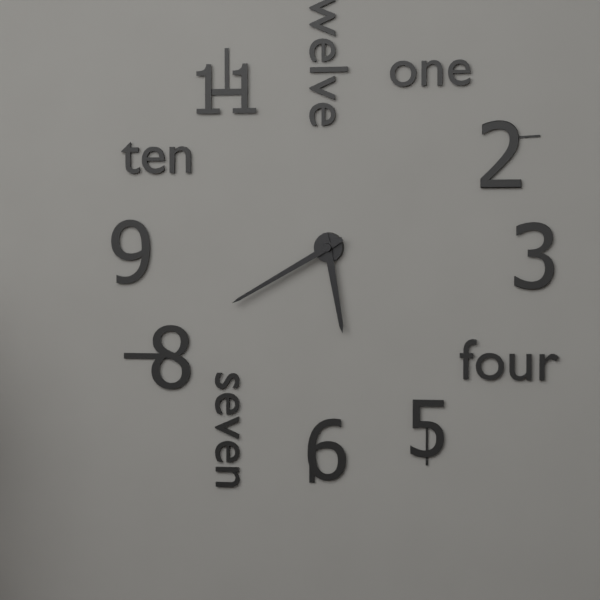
h=5 m=40
